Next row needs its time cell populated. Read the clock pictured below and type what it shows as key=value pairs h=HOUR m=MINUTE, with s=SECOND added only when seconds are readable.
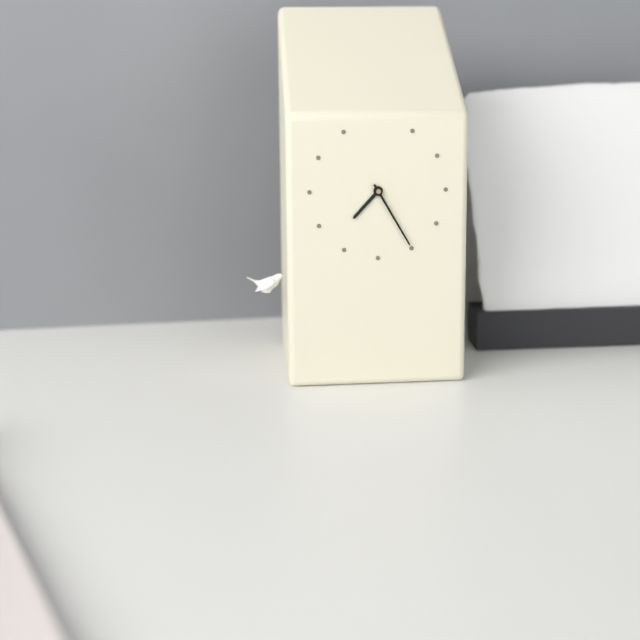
h=7 m=25
